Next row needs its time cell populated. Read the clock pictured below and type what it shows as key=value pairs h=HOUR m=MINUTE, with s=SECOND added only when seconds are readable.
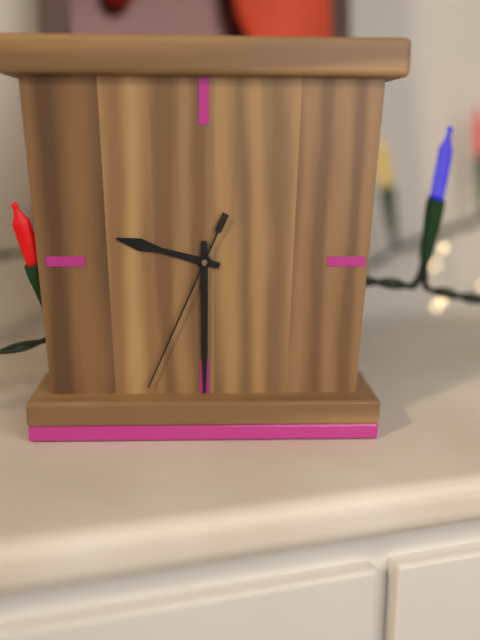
h=9 m=30 s=34
